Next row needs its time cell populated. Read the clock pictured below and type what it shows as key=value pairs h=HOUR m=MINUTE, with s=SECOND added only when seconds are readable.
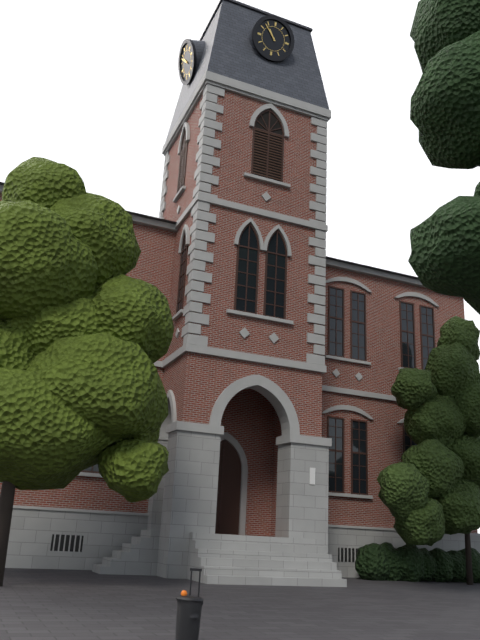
h=10 m=53
